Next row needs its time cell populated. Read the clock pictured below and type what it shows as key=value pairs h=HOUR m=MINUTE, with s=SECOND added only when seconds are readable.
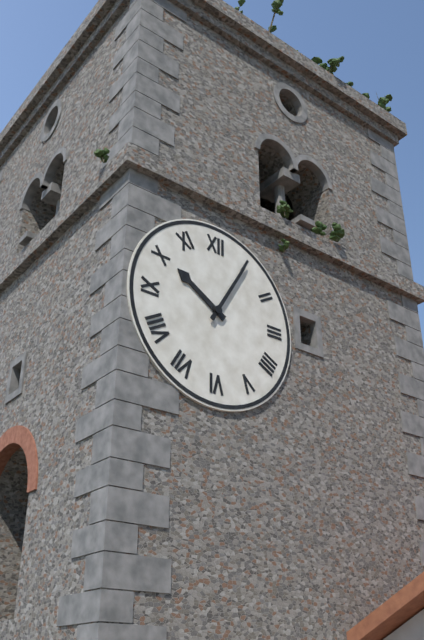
h=10 m=5
